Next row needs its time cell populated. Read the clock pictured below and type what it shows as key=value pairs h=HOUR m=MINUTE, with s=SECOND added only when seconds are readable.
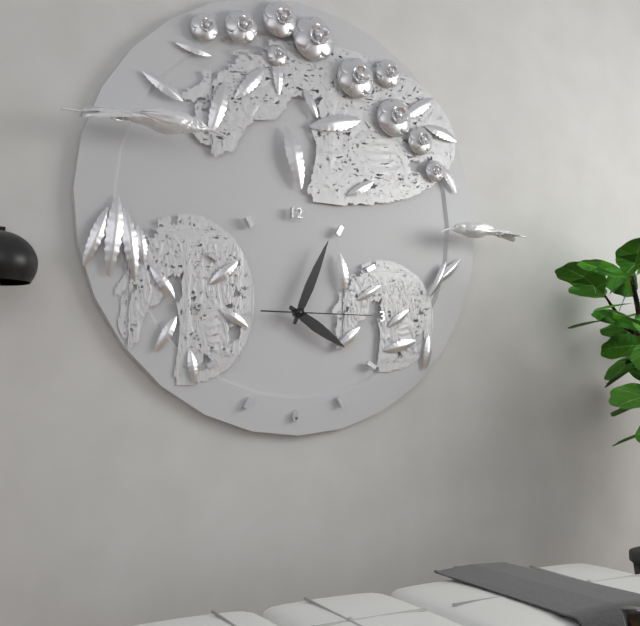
h=4 m=4 s=15
